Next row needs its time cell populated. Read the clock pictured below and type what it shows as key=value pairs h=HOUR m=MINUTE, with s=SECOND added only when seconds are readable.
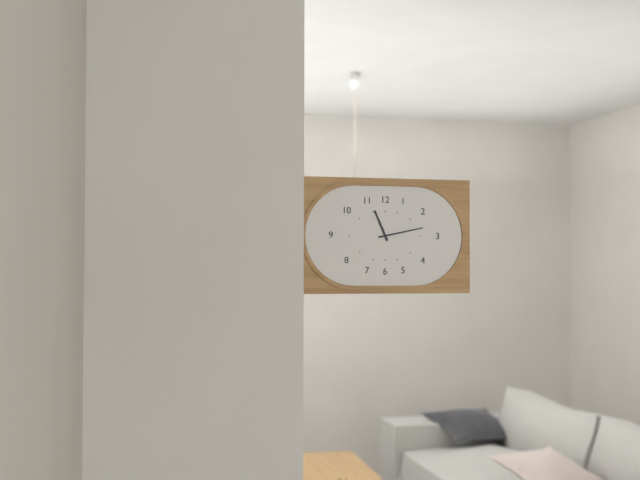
h=11 m=13
